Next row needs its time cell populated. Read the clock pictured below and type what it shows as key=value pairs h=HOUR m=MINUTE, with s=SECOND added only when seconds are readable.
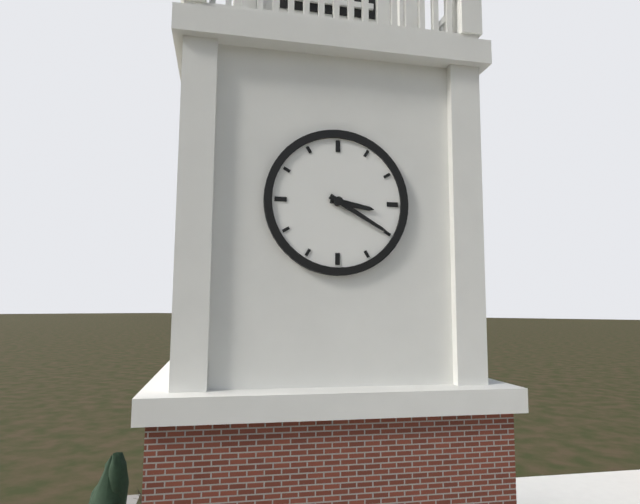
h=3 m=20
